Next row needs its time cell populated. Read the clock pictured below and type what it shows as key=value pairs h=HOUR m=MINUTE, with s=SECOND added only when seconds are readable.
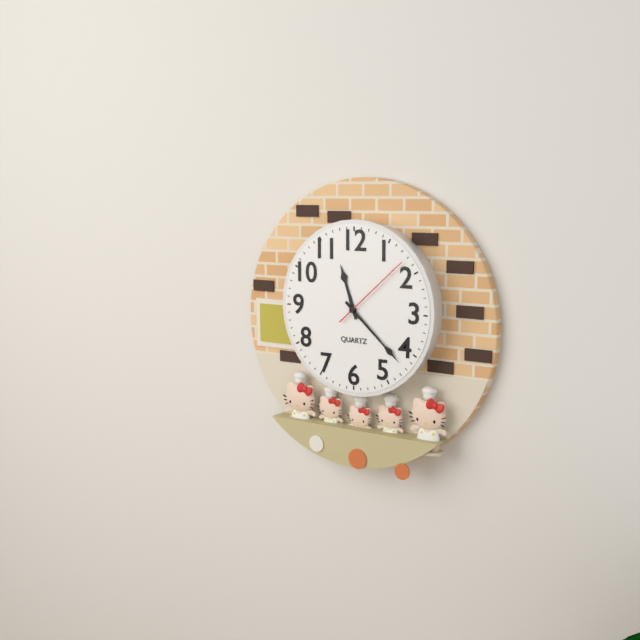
h=11 m=22 s=8
